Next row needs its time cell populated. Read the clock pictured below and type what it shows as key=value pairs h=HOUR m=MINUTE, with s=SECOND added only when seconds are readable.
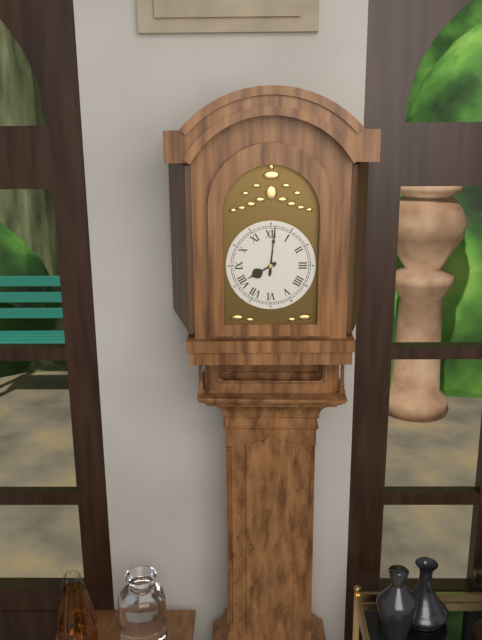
h=8 m=1
